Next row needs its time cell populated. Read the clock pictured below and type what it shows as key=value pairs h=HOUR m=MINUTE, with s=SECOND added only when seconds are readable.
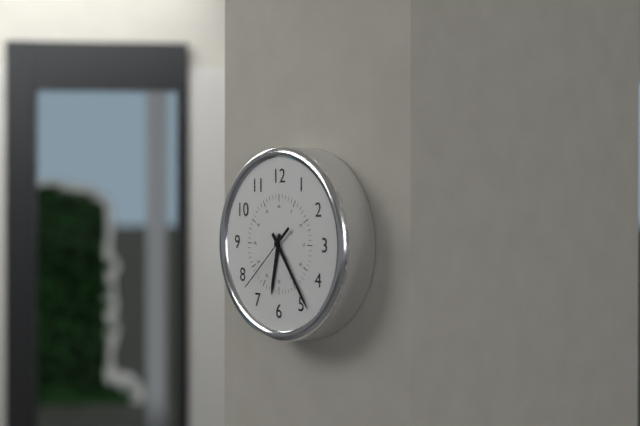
h=6 m=24 s=38
